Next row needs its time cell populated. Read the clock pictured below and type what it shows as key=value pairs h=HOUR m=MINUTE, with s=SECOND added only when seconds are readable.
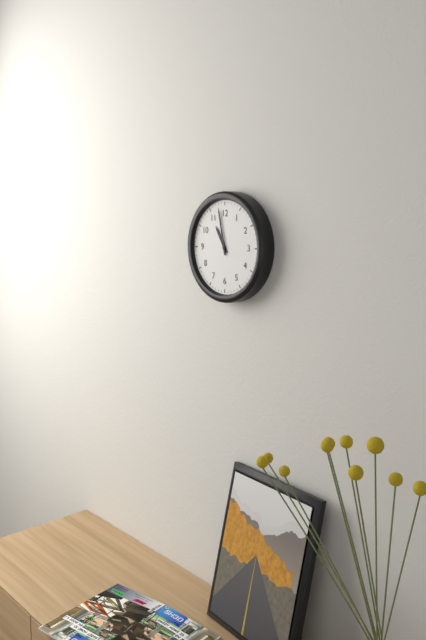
h=10 m=58
